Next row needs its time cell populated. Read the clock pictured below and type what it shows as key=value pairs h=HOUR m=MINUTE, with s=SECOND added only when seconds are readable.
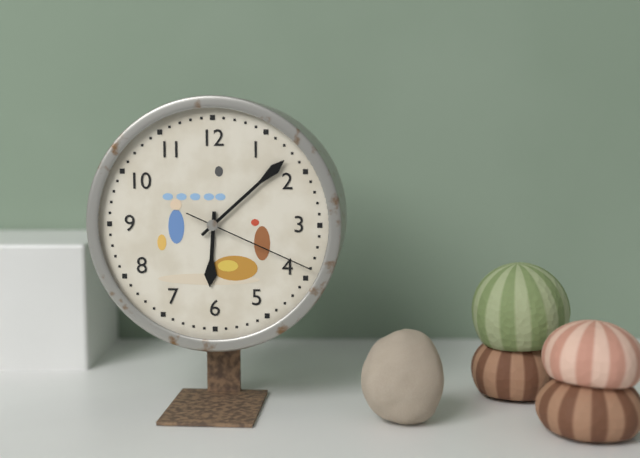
h=6 m=8 s=19
